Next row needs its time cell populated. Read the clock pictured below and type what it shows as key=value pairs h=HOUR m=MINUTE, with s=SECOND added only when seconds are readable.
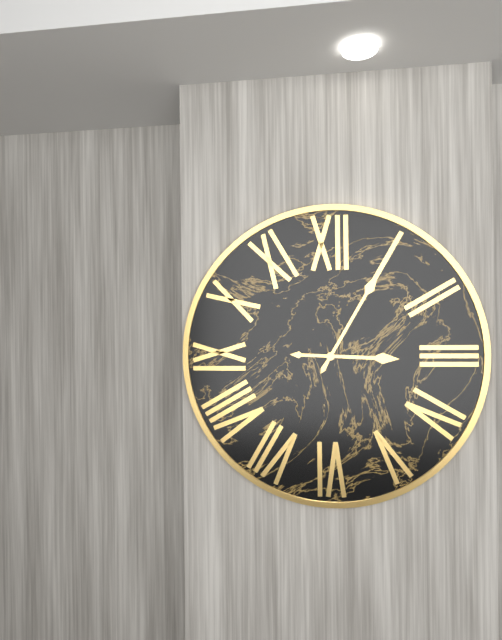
h=3 m=5
